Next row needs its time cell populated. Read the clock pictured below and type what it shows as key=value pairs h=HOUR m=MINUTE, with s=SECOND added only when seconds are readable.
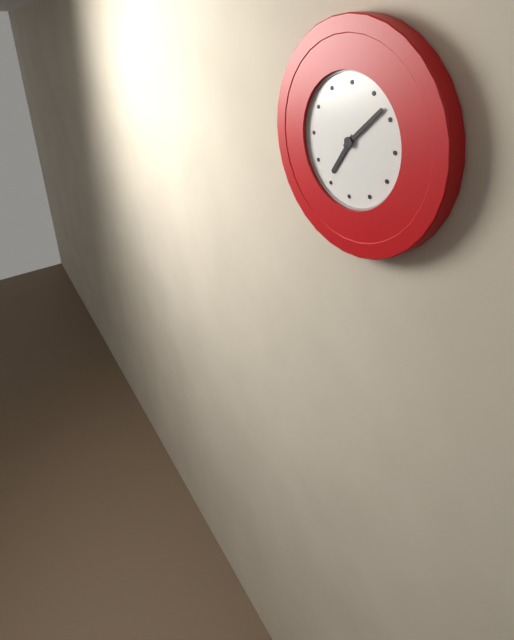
h=7 m=8
